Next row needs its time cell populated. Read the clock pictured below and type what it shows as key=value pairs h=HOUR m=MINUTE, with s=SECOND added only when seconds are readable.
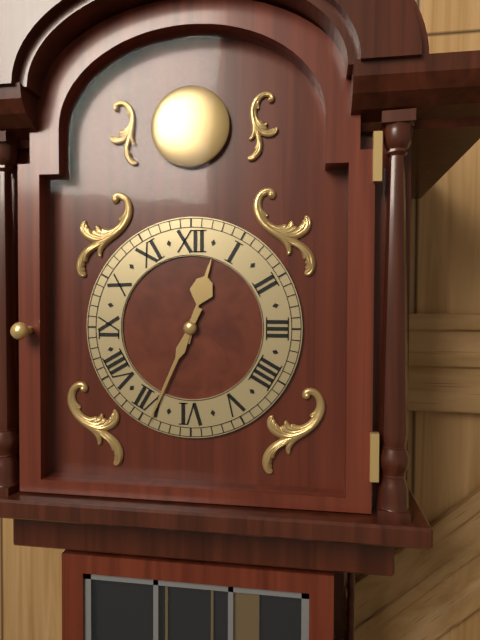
h=12 m=34
